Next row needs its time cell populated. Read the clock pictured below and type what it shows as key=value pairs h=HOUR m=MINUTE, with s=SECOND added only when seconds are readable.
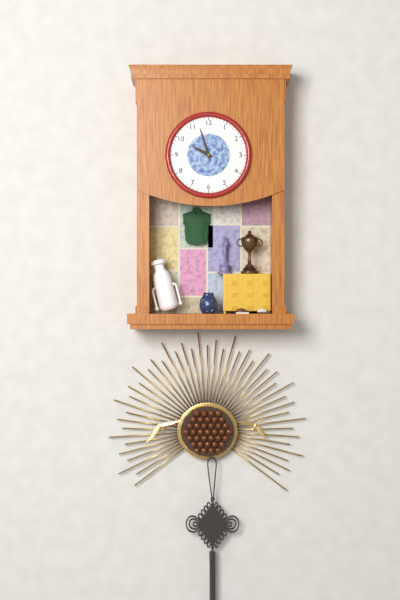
h=9 m=57
